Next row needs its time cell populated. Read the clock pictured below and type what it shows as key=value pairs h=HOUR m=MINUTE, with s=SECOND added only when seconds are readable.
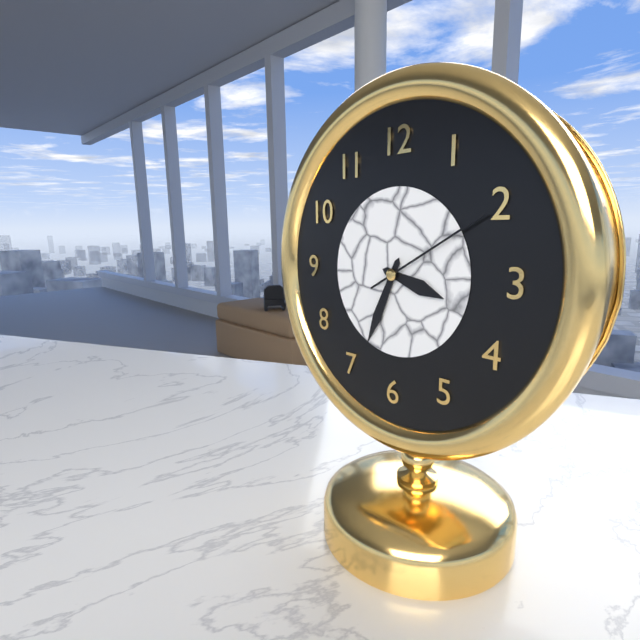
h=3 m=34 s=10
